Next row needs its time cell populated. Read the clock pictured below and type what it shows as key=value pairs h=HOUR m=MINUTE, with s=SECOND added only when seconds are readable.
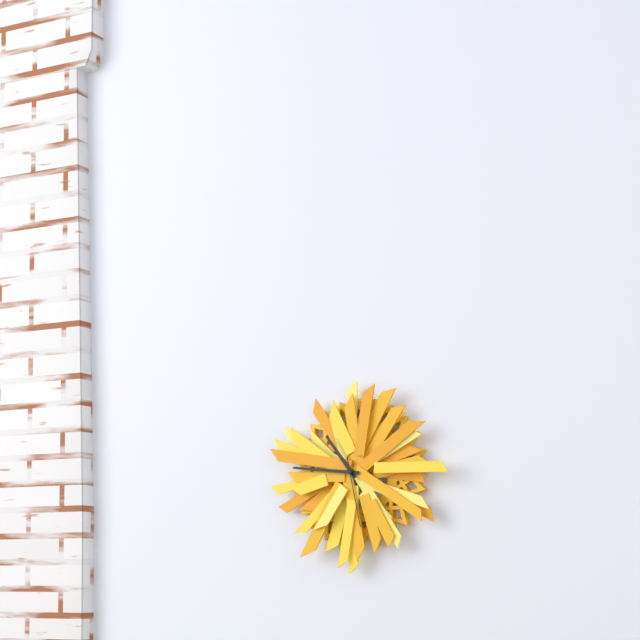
h=10 m=46 s=28
